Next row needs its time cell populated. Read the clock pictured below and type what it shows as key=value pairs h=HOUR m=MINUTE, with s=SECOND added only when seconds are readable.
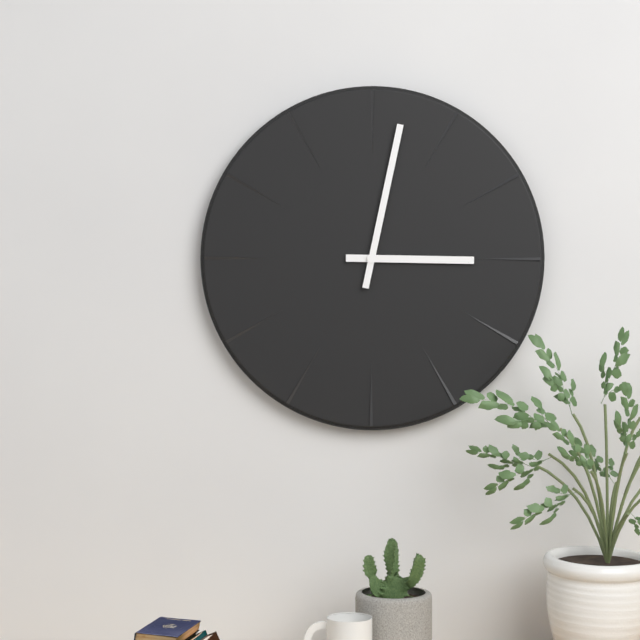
h=3 m=2
